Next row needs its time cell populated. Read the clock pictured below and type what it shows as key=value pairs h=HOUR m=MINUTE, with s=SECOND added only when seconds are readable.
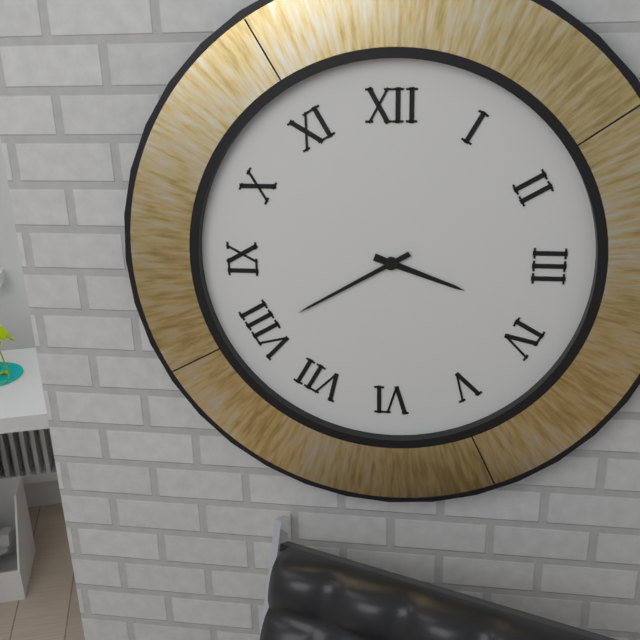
h=3 m=40
